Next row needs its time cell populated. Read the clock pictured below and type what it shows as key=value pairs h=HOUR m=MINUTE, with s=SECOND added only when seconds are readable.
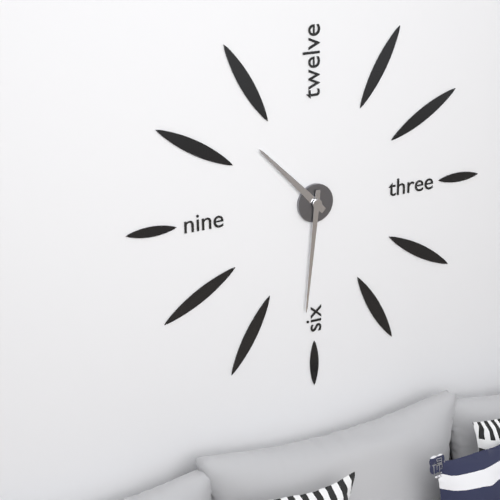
h=10 m=31
